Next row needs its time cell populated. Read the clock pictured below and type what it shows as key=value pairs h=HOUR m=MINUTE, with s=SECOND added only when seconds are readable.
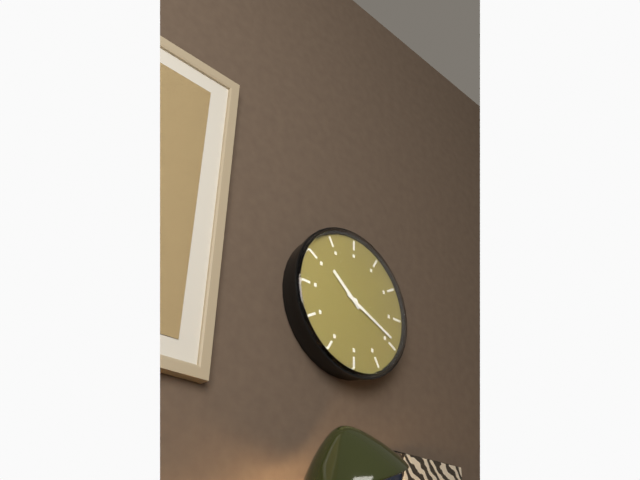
h=10 m=19
